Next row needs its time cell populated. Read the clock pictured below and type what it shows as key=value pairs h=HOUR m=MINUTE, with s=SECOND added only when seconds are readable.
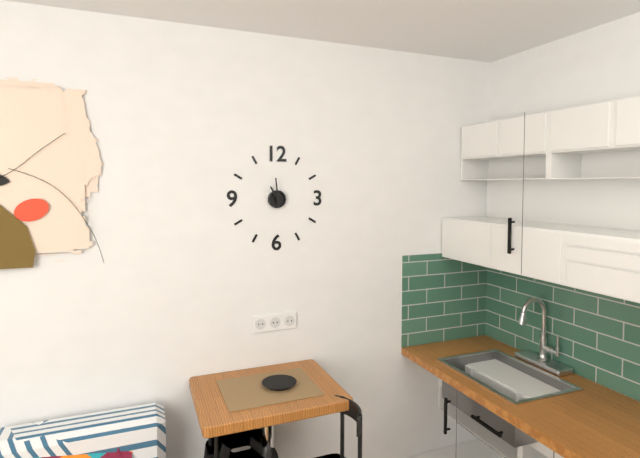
h=10 m=59
